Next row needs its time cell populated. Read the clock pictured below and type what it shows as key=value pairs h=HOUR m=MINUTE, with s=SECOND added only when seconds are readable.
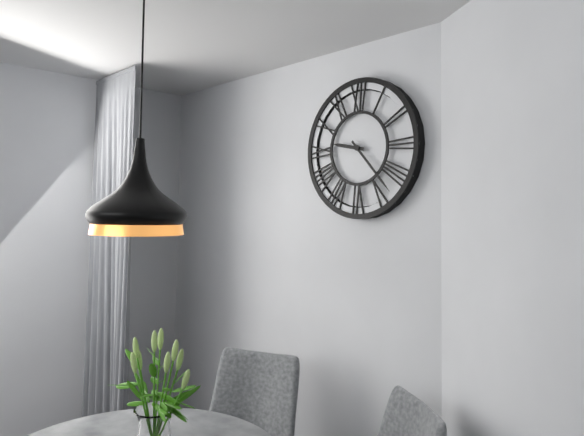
h=9 m=23
